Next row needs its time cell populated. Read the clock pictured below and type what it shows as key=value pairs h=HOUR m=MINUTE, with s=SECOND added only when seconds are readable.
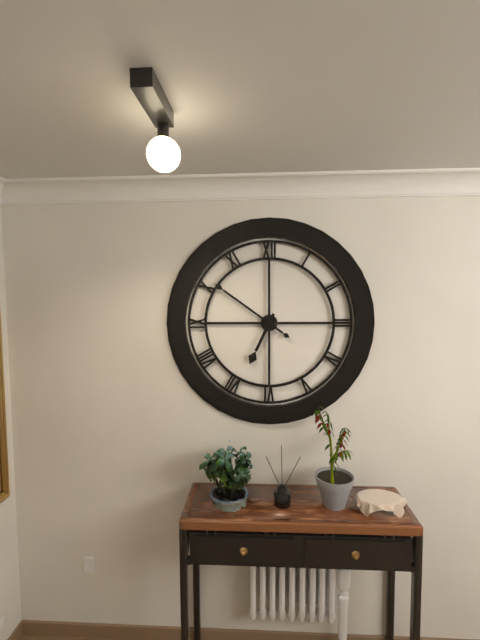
h=6 m=51
